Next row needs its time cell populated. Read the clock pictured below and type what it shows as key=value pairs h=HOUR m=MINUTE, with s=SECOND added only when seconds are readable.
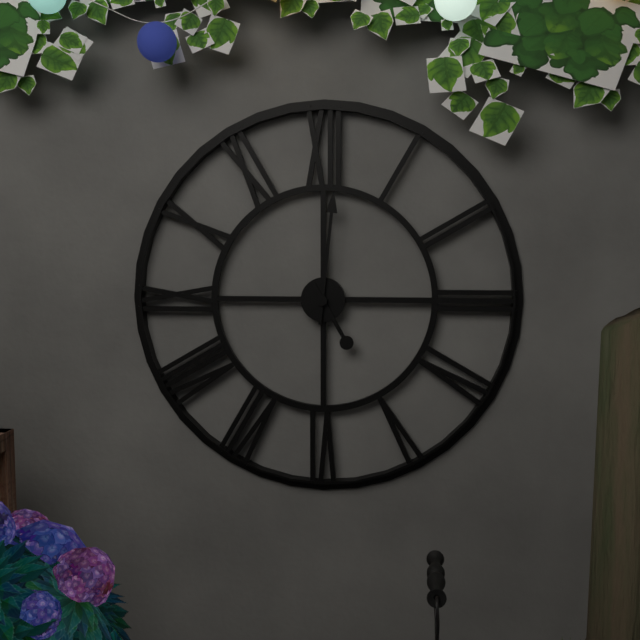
h=5 m=1
